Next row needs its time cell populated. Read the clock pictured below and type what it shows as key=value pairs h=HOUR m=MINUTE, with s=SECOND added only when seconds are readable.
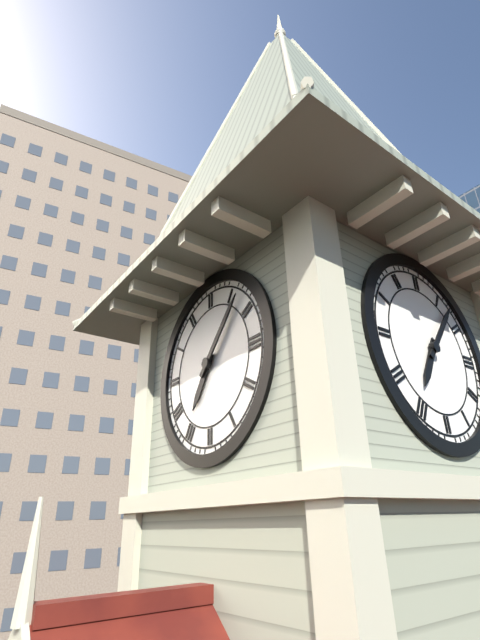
h=7 m=7
